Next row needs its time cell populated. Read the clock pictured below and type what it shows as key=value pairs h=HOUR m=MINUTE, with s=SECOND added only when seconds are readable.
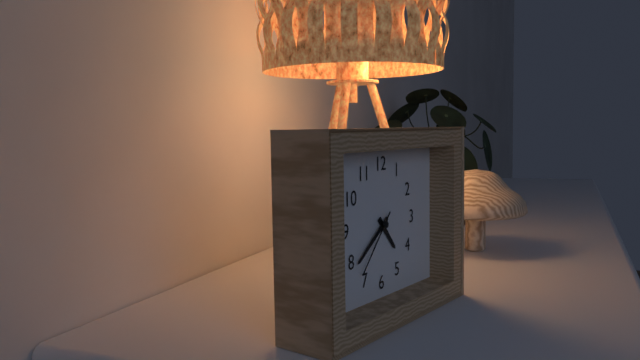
h=4 m=39 s=37
